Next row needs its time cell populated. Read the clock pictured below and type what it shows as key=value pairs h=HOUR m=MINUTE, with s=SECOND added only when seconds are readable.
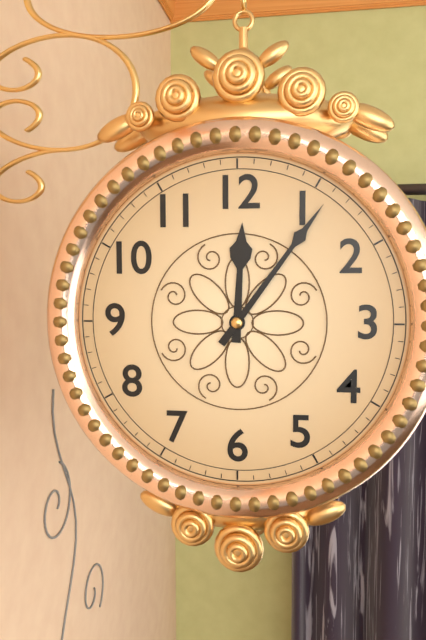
h=12 m=6
